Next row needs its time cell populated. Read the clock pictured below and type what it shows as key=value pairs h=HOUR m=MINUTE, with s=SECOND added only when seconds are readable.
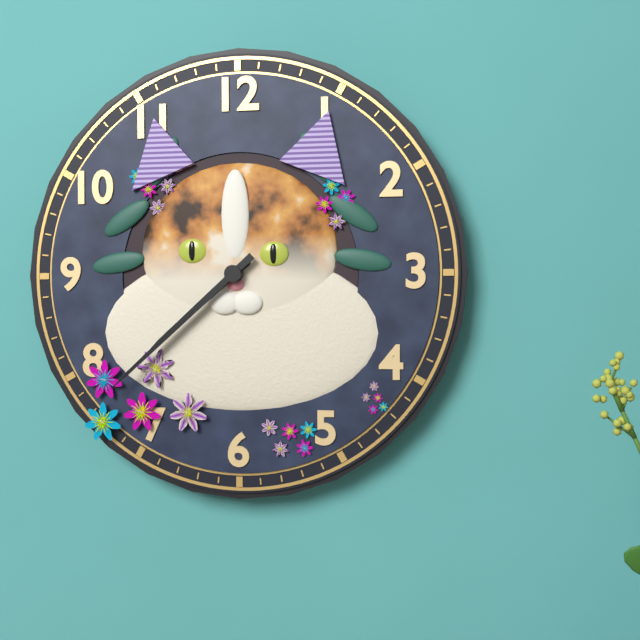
h=7 m=38
